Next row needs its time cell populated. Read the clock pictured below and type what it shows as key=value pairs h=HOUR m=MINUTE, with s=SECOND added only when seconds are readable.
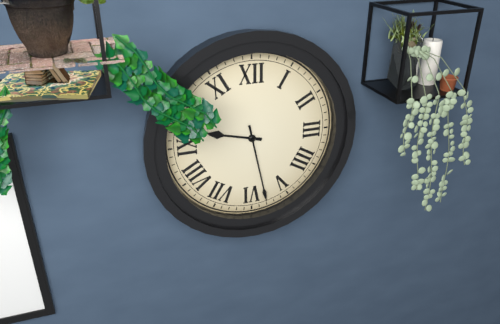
h=9 m=28
